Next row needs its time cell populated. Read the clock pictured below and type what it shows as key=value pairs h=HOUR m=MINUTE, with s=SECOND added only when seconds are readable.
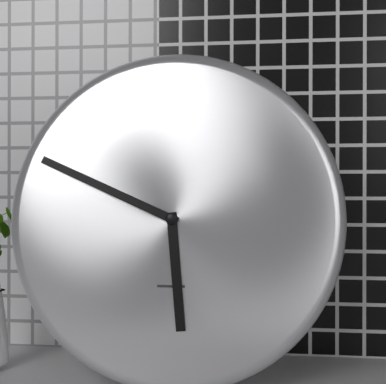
h=5 m=49
